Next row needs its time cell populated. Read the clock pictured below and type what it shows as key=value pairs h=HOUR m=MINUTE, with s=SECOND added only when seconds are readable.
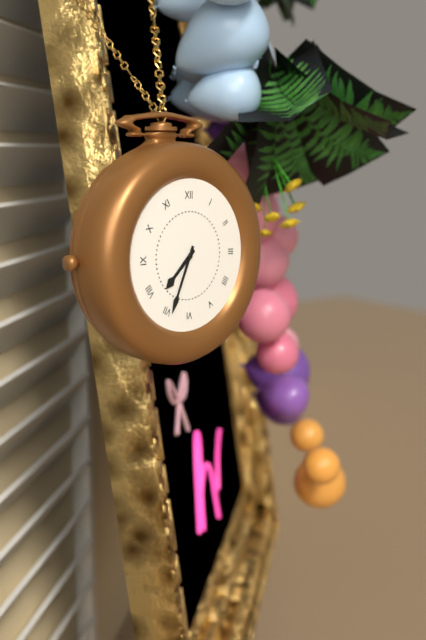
h=7 m=34
